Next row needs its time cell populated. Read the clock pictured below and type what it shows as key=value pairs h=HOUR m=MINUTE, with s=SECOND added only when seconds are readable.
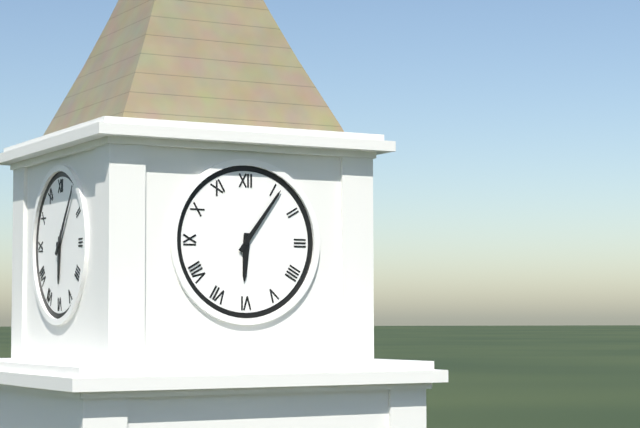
h=6 m=6
